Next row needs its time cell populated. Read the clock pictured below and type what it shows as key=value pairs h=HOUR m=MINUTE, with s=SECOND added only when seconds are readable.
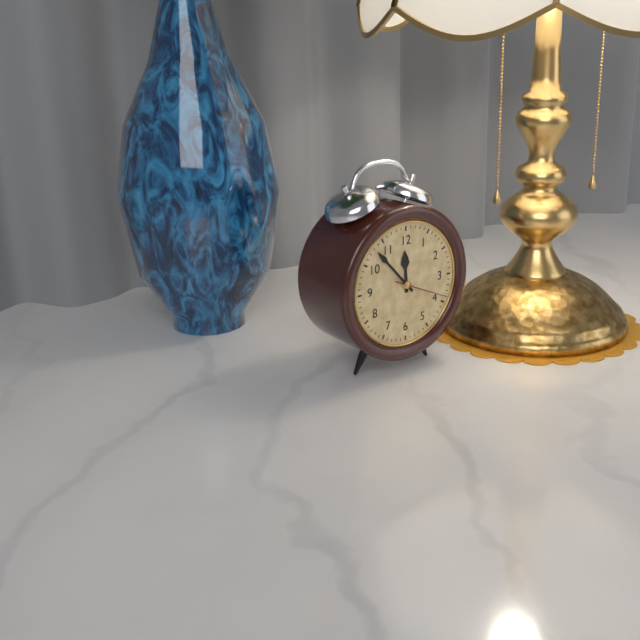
h=11 m=53 s=19
